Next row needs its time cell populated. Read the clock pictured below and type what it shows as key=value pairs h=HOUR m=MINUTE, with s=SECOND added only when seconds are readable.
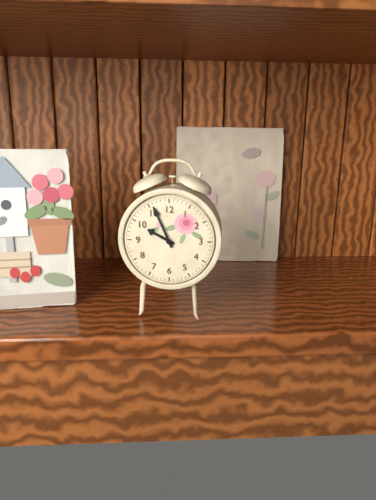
h=9 m=56
